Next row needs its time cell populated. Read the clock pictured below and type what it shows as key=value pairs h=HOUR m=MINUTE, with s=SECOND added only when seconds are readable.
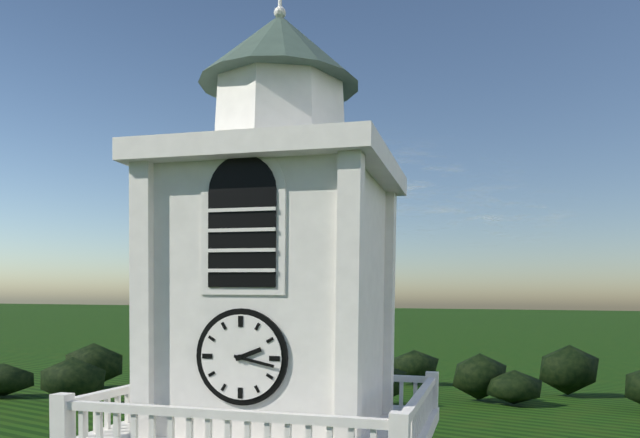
h=2 m=17
